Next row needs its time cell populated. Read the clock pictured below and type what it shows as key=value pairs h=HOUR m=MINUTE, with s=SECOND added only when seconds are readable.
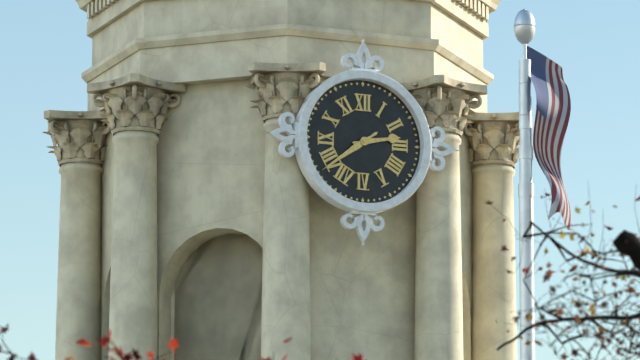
h=2 m=39
